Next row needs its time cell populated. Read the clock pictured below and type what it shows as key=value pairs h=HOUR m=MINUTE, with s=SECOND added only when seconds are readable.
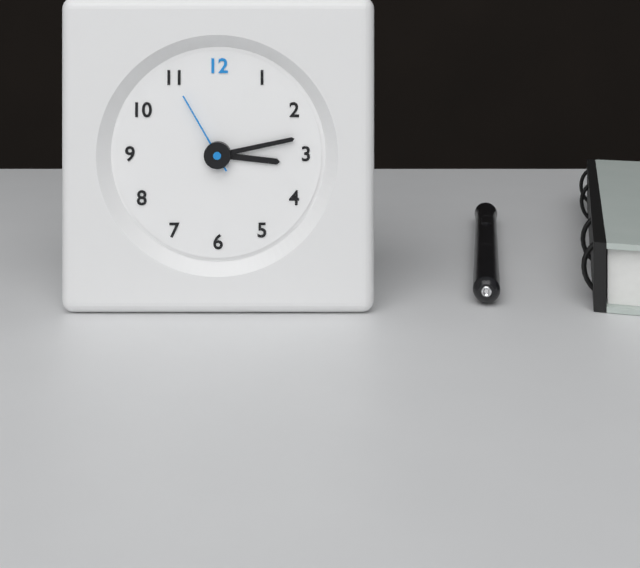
h=3 m=13 s=55
